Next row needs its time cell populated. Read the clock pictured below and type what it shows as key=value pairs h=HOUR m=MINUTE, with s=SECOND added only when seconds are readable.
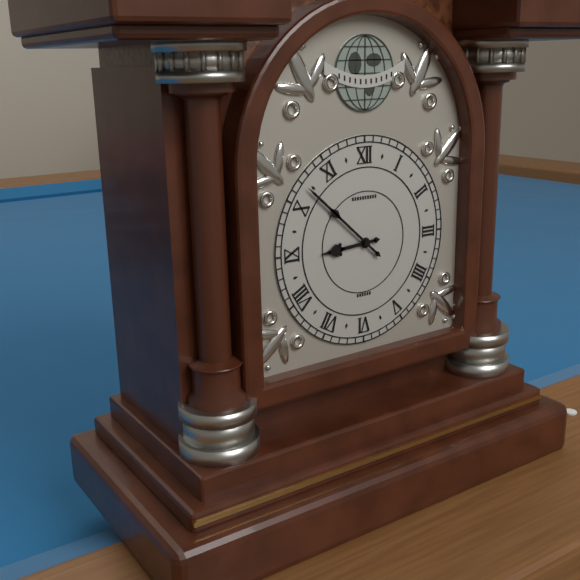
h=8 m=52
